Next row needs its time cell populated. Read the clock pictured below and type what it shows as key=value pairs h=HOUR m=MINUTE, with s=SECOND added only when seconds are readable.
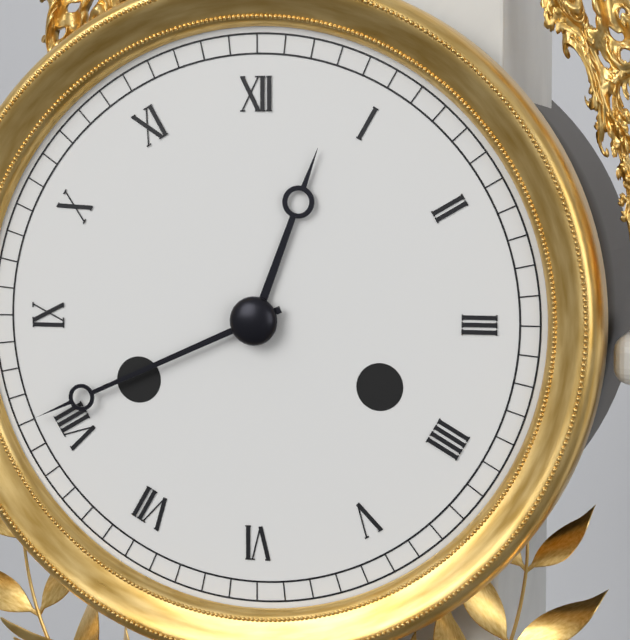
h=12 m=41
